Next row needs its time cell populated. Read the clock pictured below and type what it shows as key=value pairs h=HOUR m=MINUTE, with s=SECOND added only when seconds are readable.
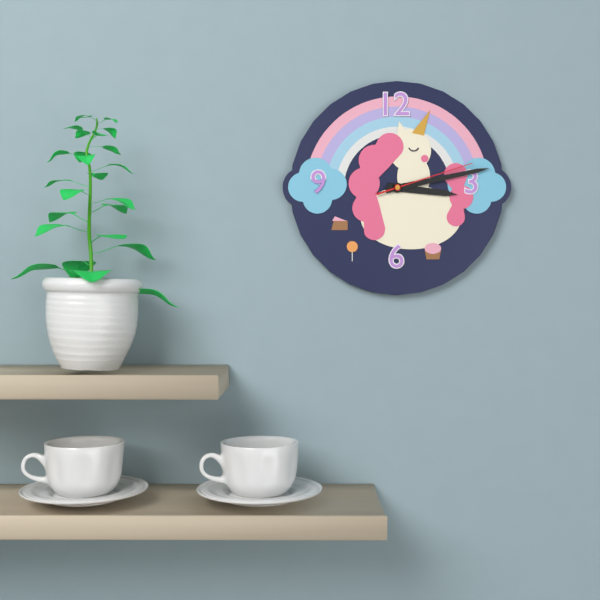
h=3 m=13 s=12
